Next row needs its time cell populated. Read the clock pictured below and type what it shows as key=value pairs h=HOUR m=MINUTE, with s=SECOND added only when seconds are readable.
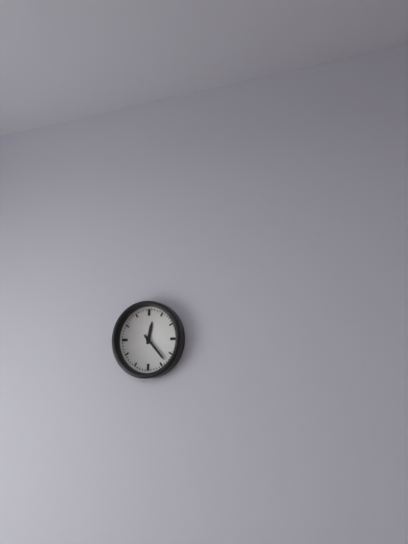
h=12 m=23
